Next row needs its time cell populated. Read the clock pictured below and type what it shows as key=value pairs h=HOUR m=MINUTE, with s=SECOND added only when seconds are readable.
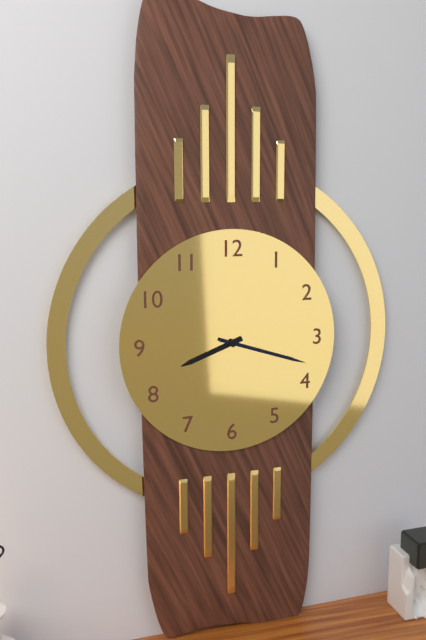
h=8 m=18
